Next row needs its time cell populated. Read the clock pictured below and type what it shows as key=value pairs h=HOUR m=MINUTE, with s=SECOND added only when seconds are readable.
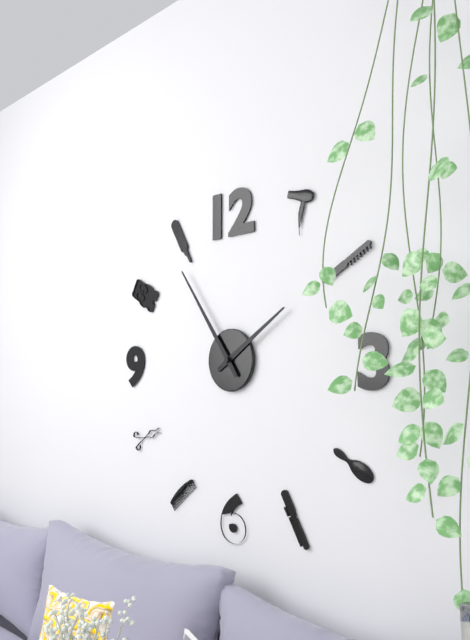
h=1 m=54
